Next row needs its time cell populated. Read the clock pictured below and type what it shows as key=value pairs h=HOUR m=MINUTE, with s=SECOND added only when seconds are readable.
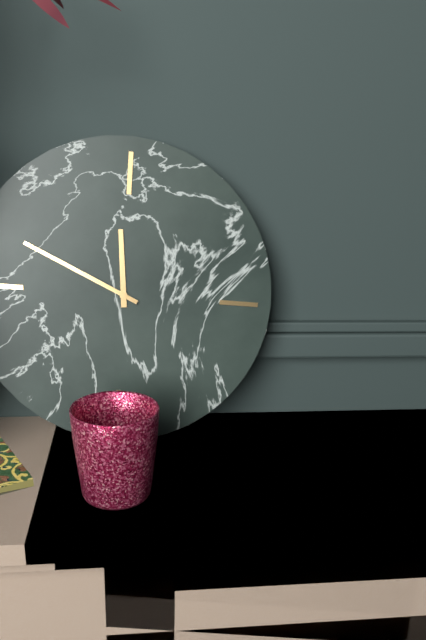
h=11 m=49
